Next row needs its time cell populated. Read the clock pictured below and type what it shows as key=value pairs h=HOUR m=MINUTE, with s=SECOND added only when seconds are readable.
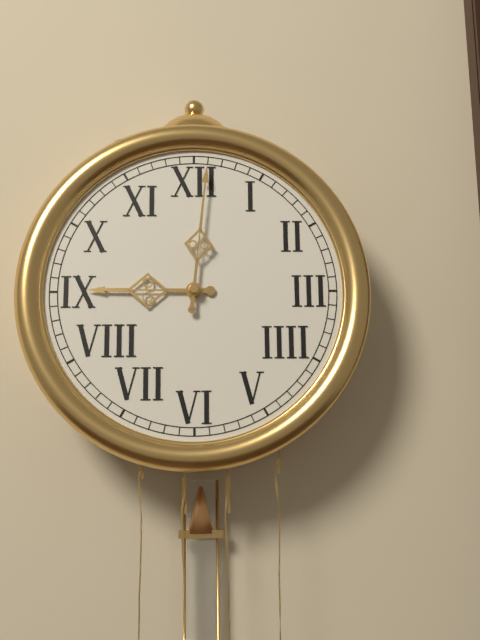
h=9 m=1
